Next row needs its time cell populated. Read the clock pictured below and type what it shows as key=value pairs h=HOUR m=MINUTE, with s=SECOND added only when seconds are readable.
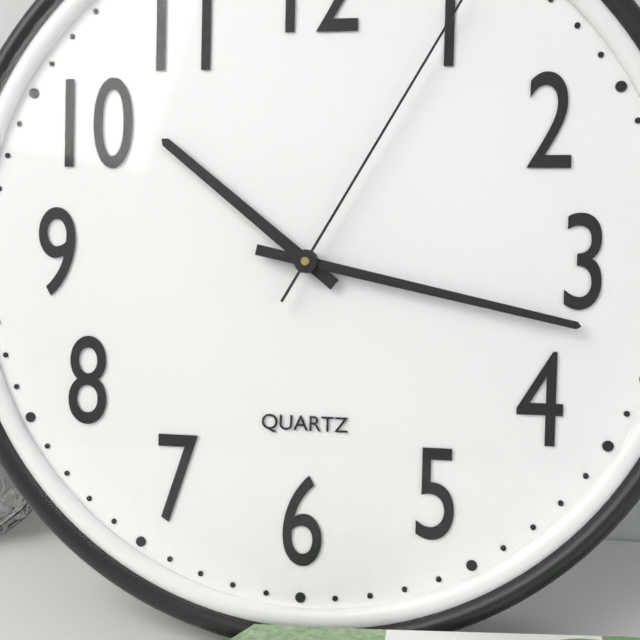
h=10 m=17
